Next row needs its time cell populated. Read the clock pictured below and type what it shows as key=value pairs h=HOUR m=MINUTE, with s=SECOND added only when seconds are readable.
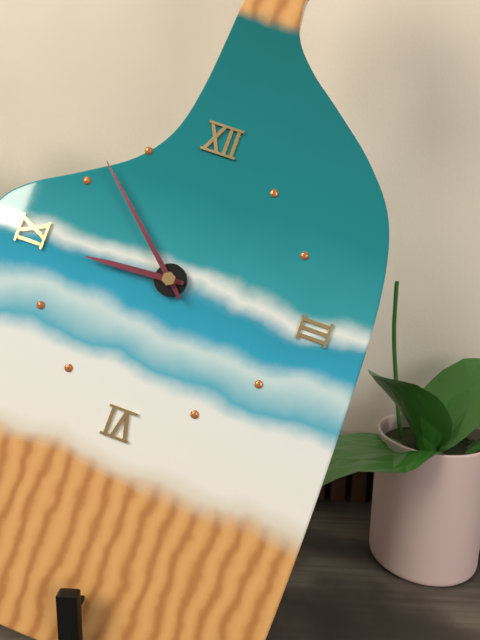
h=8 m=52
